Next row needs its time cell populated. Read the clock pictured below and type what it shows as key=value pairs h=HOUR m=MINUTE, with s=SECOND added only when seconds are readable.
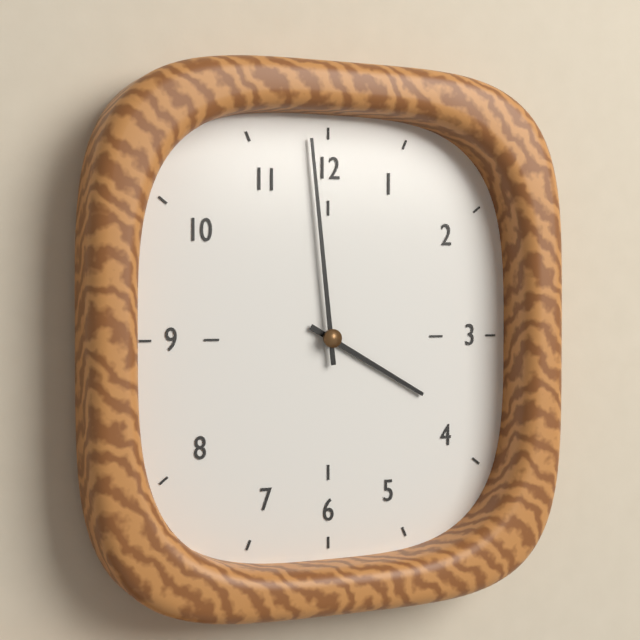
h=3 m=59
